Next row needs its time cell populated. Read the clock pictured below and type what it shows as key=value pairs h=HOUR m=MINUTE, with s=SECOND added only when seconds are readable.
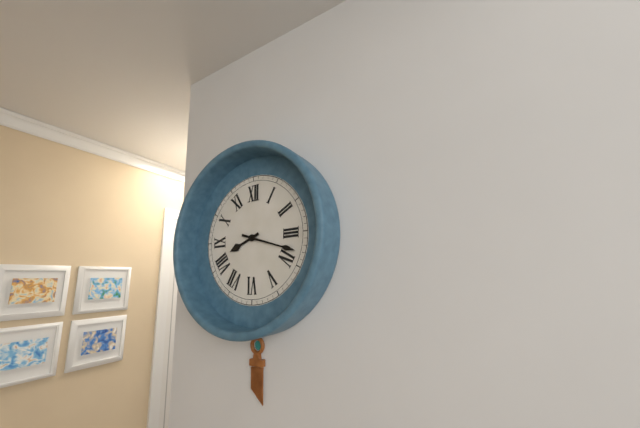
h=8 m=18
